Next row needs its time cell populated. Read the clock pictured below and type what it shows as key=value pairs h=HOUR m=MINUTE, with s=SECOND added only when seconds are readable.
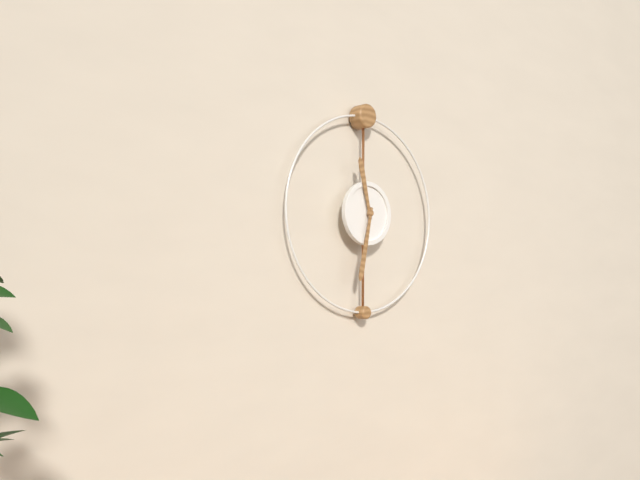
h=11 m=32
